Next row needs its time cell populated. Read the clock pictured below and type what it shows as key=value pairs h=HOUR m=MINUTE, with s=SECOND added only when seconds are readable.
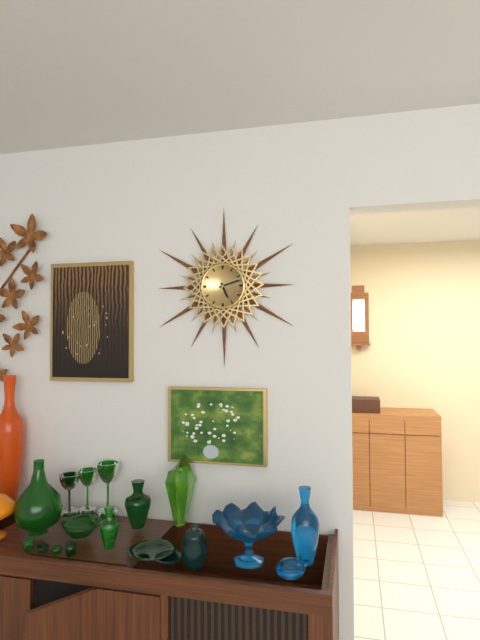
h=5 m=12
